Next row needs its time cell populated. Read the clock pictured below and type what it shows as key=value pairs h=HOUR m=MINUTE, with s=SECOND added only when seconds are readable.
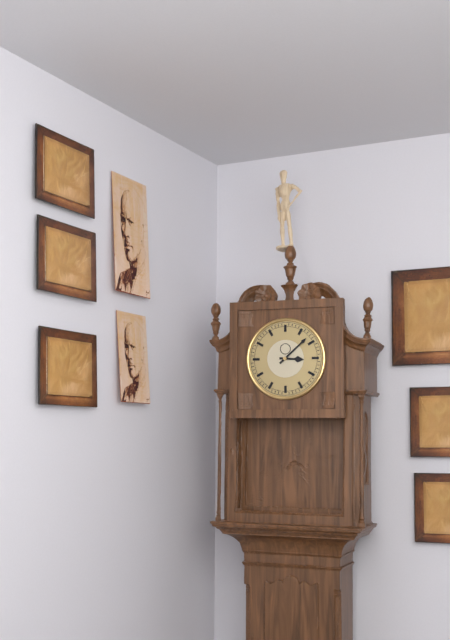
h=3 m=8
